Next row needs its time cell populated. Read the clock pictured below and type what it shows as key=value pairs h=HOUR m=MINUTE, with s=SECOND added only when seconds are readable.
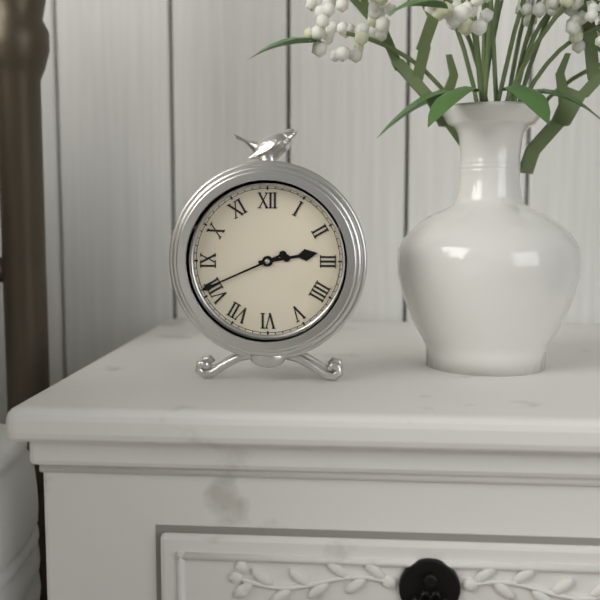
h=2 m=41
